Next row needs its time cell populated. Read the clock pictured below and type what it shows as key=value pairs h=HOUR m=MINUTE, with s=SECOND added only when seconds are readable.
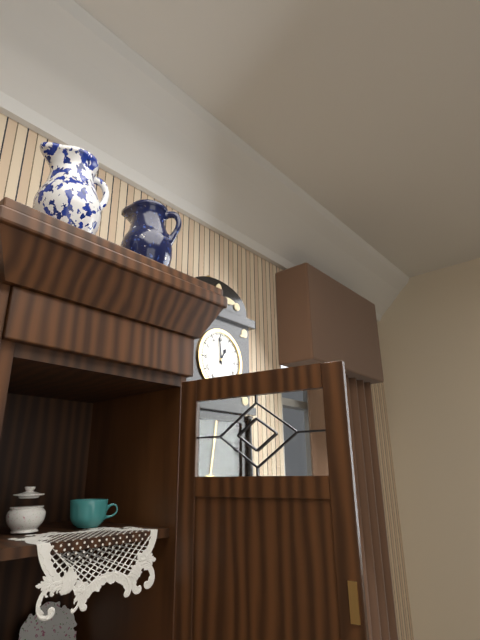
h=12 m=59
